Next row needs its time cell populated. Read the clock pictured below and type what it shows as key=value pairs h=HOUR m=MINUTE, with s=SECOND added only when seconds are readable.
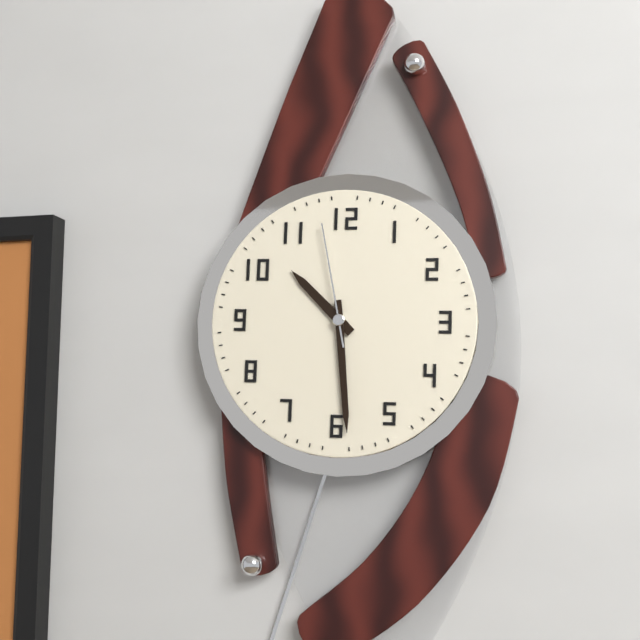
h=10 m=29 s=58
